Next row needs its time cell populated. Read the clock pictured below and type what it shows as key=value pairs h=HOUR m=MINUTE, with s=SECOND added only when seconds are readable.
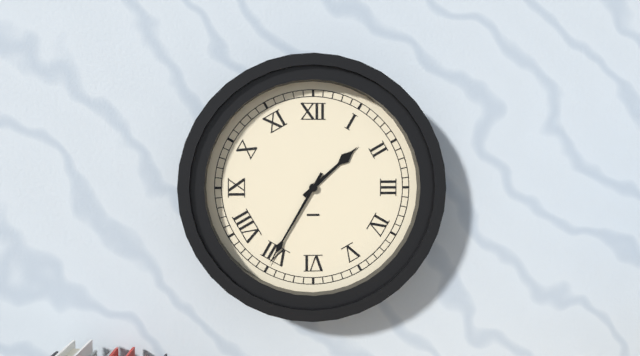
h=1 m=35
